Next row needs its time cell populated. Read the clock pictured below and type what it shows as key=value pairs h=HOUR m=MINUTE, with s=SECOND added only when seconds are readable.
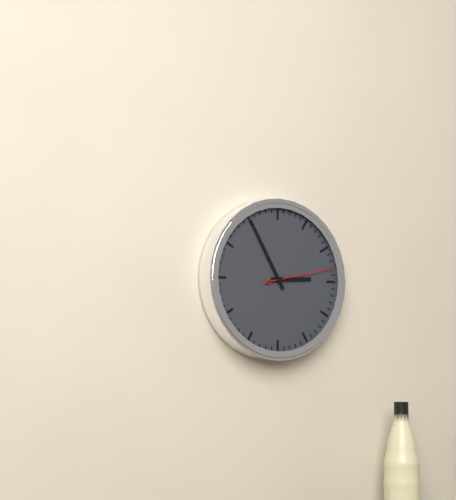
h=2 m=55 s=13
